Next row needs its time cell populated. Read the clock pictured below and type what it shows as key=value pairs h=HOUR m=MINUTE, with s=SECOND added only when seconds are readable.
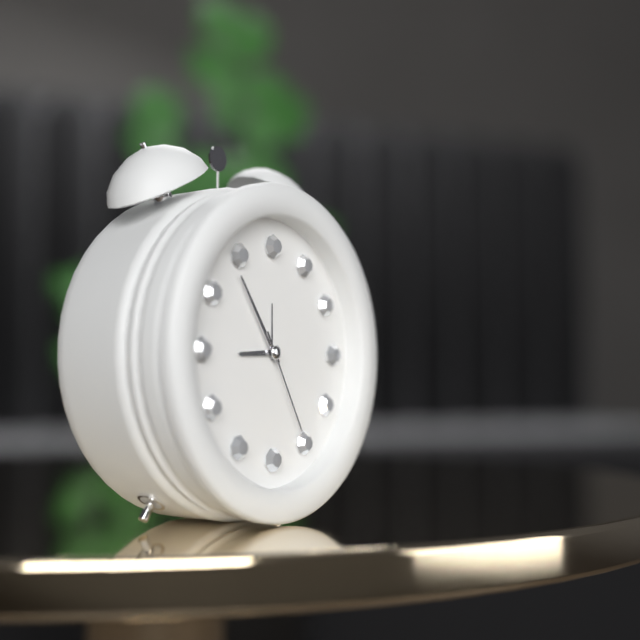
h=8 m=54 s=25
